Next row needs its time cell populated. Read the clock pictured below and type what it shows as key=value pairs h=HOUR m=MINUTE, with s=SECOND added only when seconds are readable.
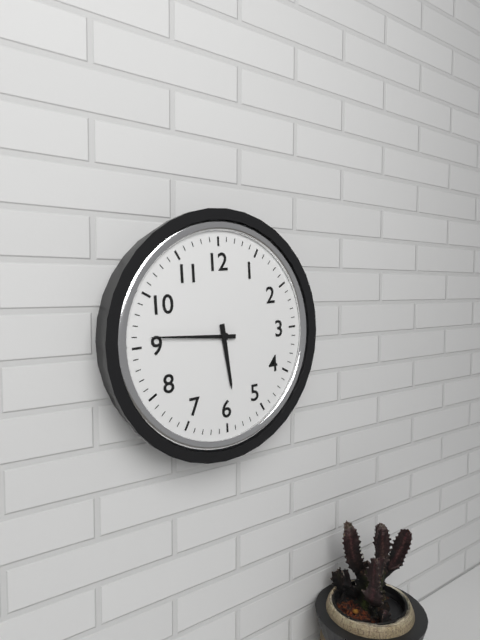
h=5 m=46
